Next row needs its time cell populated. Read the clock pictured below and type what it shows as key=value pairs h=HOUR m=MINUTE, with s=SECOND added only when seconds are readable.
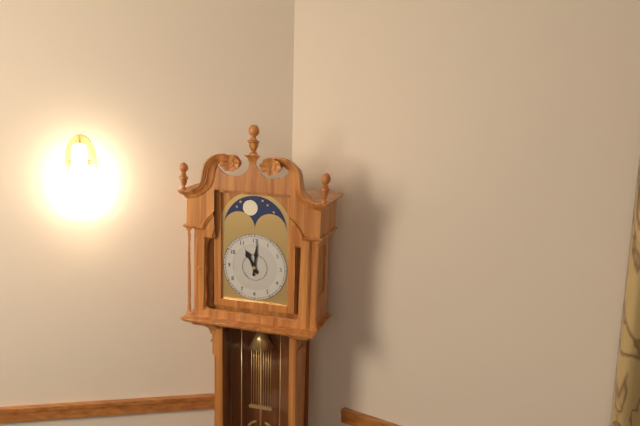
h=11 m=1
